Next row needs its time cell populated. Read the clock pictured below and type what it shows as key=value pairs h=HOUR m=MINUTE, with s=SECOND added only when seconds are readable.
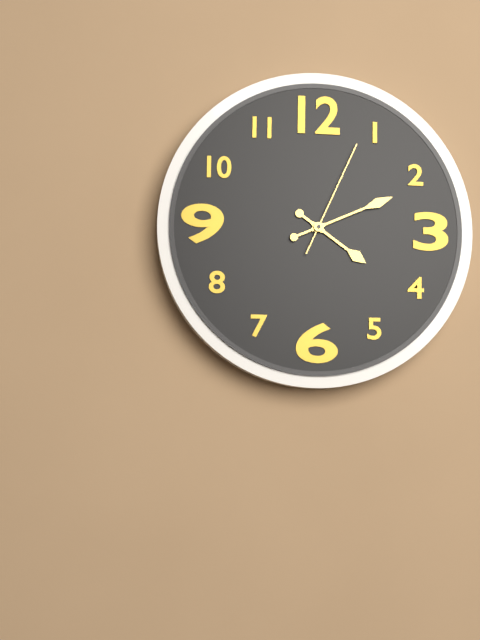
h=4 m=11 s=4
